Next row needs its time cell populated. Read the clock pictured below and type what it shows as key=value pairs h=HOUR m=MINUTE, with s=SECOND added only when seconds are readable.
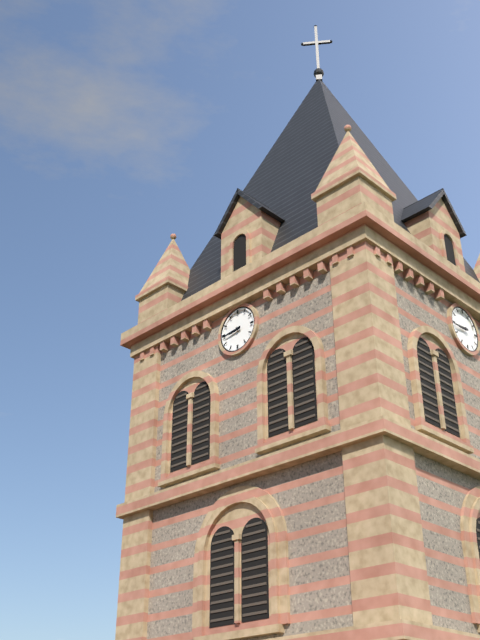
h=8 m=44
